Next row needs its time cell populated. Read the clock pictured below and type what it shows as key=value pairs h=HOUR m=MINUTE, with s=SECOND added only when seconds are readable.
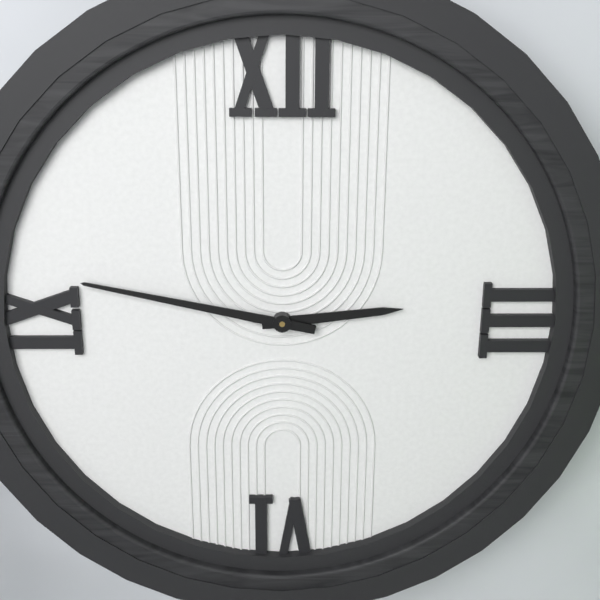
h=2 m=47
